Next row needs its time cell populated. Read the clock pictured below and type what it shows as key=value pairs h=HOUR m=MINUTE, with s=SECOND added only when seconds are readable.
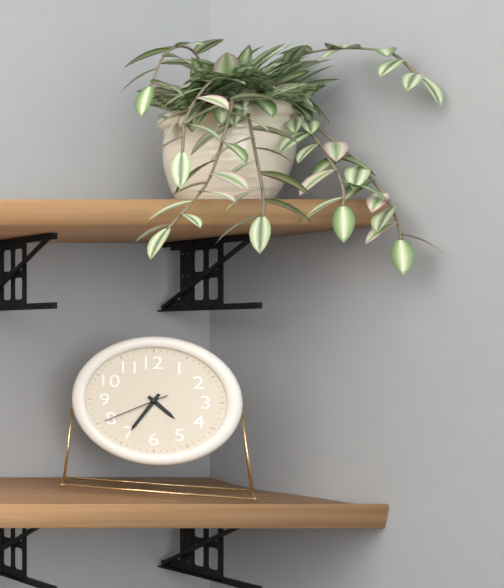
h=4 m=35 s=40
